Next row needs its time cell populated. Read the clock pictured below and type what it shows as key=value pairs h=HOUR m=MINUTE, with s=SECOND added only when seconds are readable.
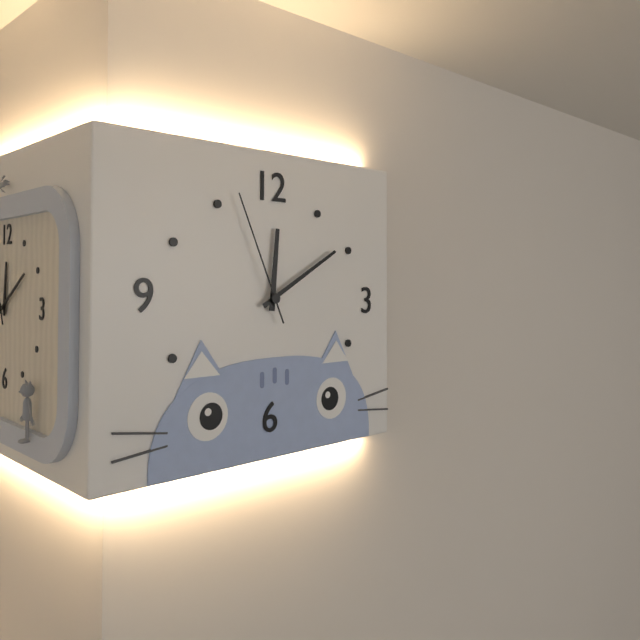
h=12 m=10 s=56
